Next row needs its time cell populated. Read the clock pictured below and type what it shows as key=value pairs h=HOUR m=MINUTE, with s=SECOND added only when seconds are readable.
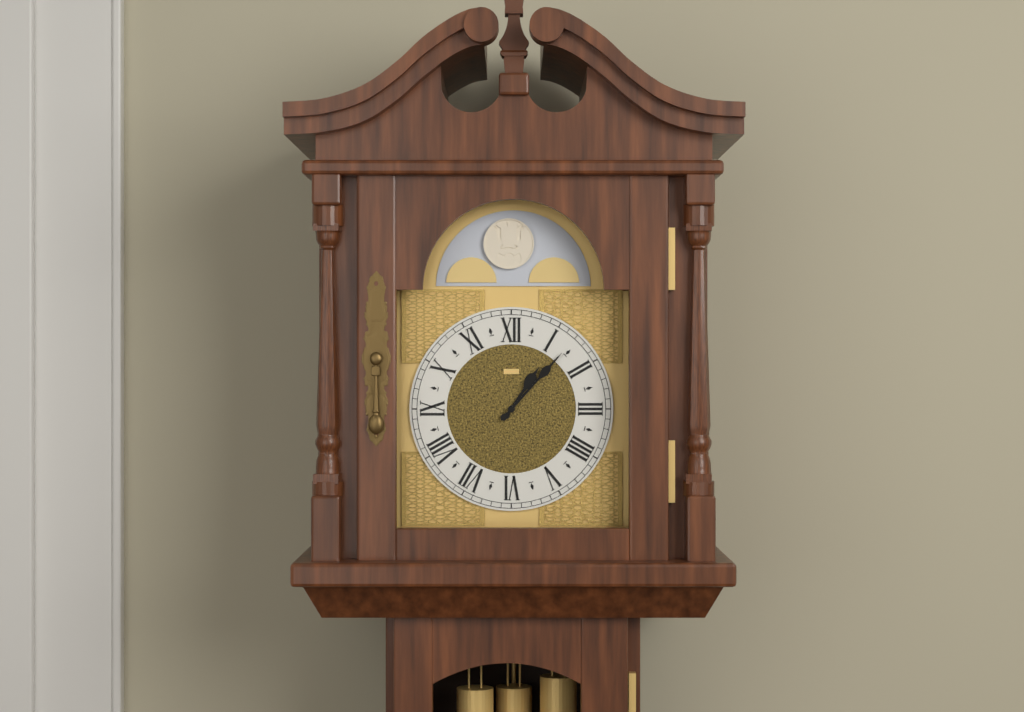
h=1 m=7
